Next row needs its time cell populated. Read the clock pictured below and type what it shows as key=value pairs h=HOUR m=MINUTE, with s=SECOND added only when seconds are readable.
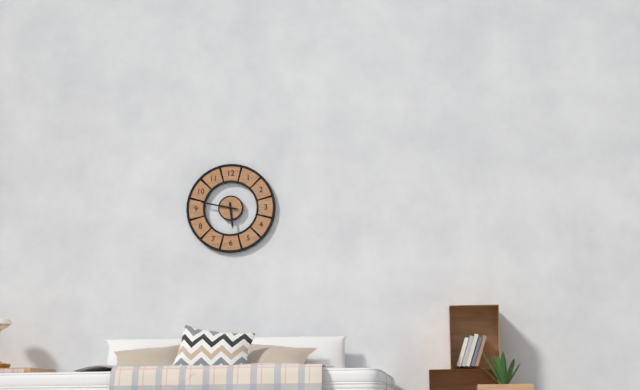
h=5 m=47
